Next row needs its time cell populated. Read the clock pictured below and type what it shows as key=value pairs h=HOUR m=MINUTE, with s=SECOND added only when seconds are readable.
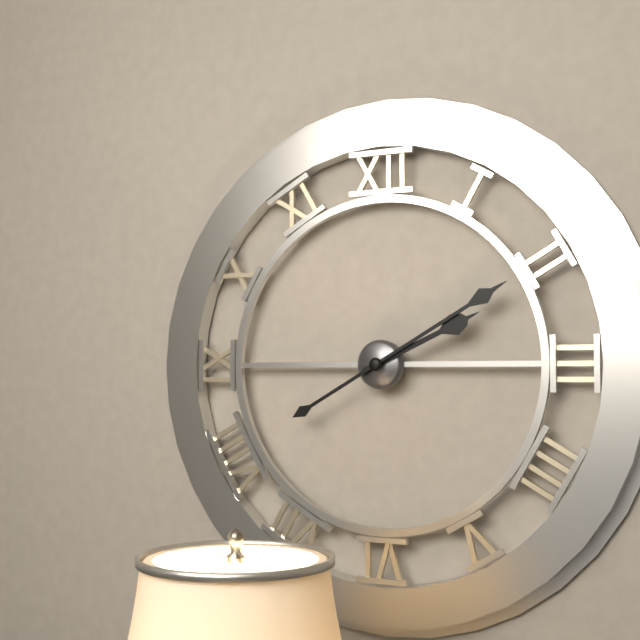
h=2 m=10
